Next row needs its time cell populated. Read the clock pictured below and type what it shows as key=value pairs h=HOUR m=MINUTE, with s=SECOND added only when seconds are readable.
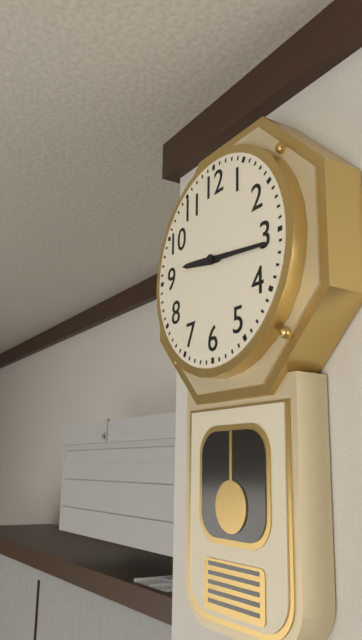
h=9 m=16
